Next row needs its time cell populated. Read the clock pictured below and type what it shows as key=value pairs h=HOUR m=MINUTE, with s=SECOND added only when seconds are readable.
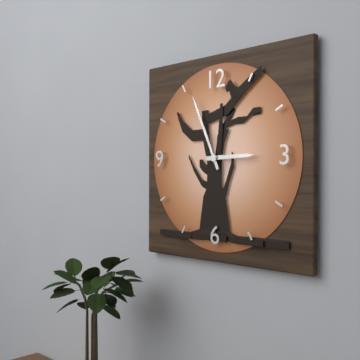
h=2 m=56
